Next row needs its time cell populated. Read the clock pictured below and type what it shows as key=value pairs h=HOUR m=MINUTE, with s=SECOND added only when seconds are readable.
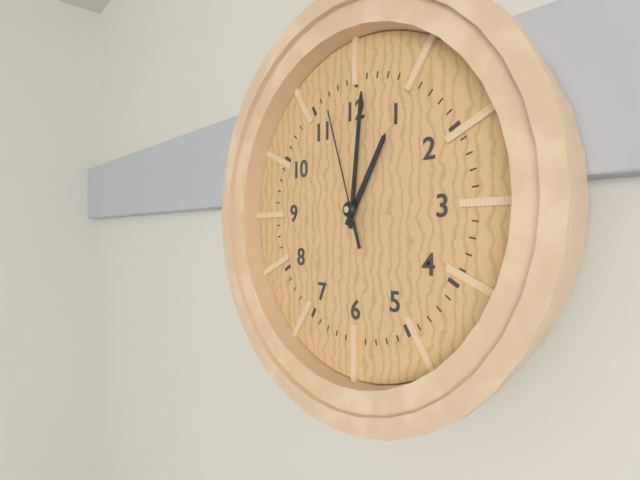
h=1 m=1 s=57
